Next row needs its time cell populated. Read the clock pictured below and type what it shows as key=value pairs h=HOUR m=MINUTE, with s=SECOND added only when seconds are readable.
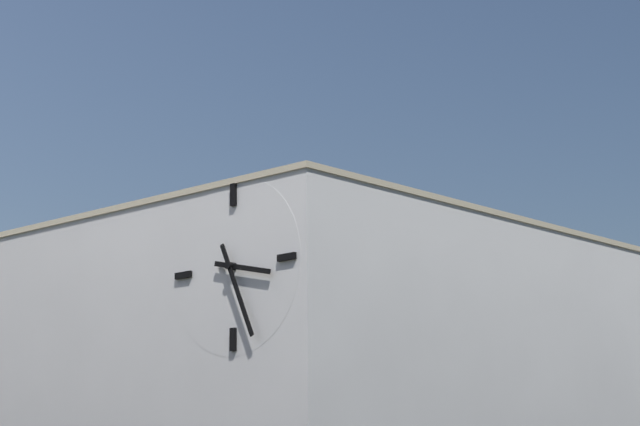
h=3 m=26
